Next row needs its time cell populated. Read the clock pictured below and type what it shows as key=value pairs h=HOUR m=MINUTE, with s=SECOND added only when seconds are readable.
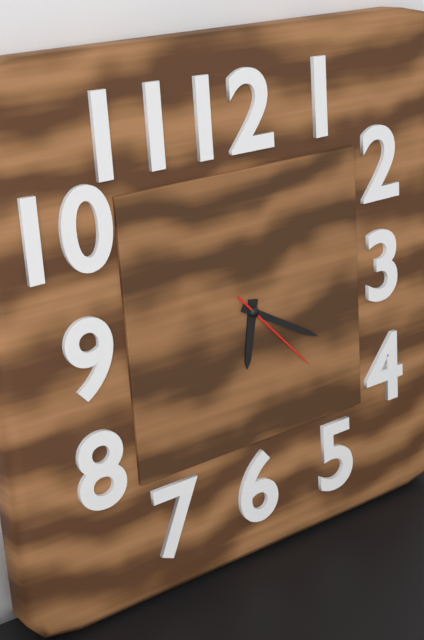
h=6 m=20 s=23
